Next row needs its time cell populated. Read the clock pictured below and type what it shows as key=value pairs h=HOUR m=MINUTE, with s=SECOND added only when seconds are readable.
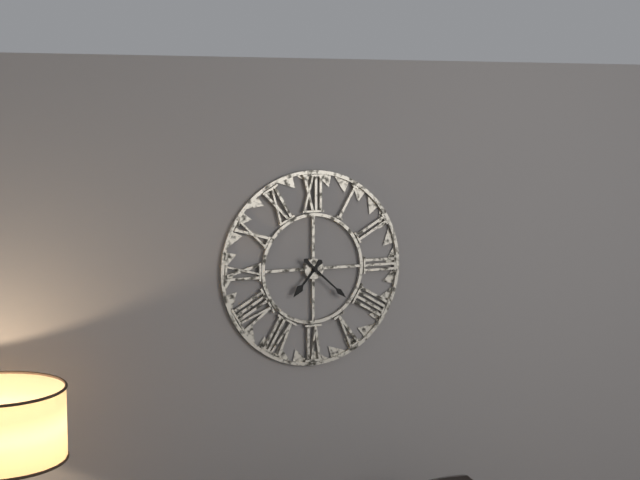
h=7 m=22
